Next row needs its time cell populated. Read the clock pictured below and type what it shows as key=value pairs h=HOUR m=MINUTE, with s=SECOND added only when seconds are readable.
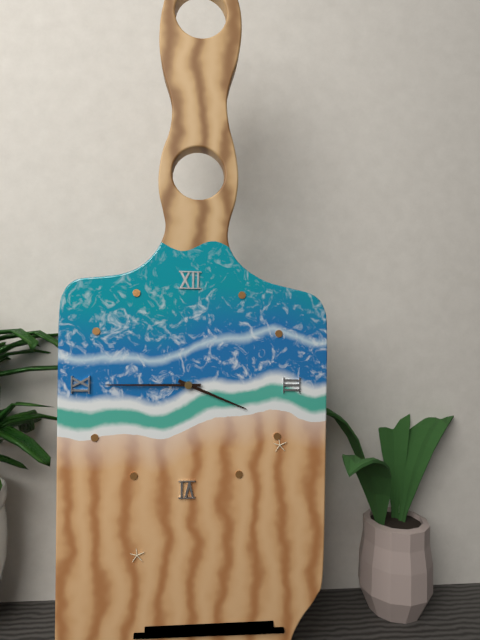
h=3 m=45
